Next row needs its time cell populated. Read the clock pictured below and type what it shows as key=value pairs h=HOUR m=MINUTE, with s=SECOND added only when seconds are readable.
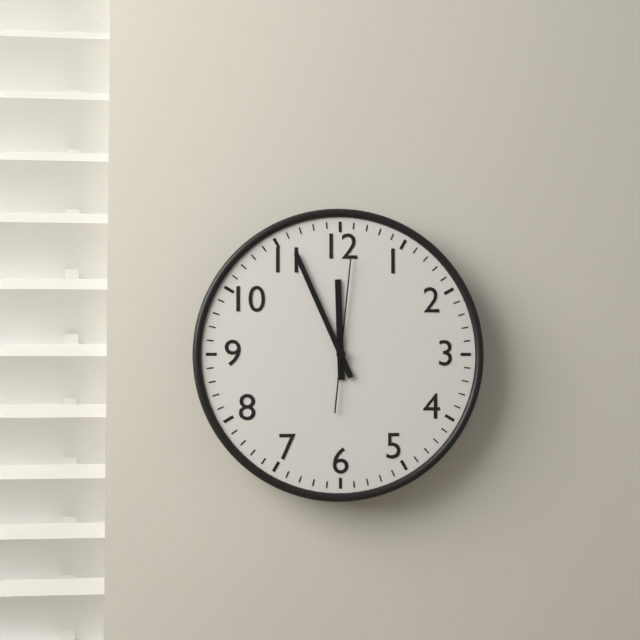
h=11 m=56 s=1
